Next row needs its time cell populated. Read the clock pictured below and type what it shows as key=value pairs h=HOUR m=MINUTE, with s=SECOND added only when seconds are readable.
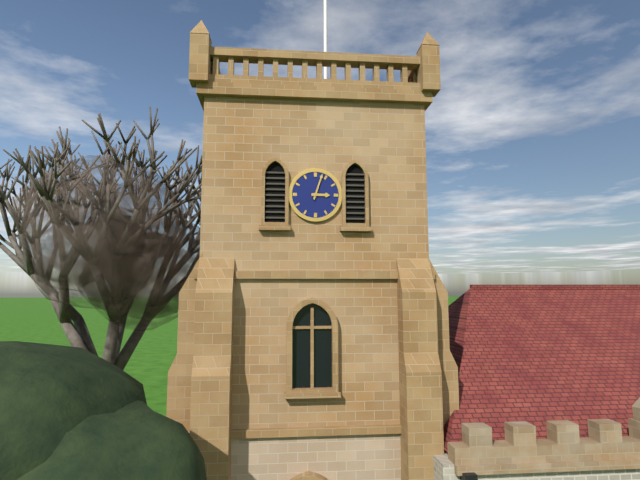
h=3 m=3
